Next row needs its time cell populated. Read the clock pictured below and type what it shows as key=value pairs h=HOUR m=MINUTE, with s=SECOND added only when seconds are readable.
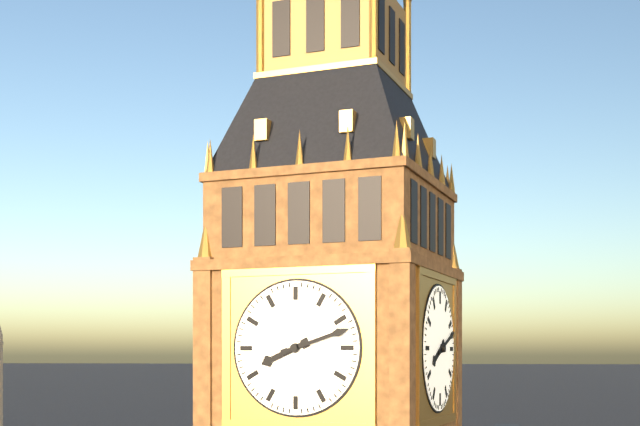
h=8 m=12
